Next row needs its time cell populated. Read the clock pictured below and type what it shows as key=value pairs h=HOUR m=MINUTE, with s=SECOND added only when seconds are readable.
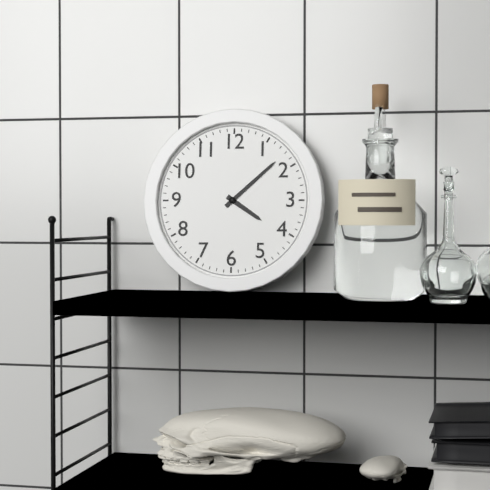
h=4 m=8
